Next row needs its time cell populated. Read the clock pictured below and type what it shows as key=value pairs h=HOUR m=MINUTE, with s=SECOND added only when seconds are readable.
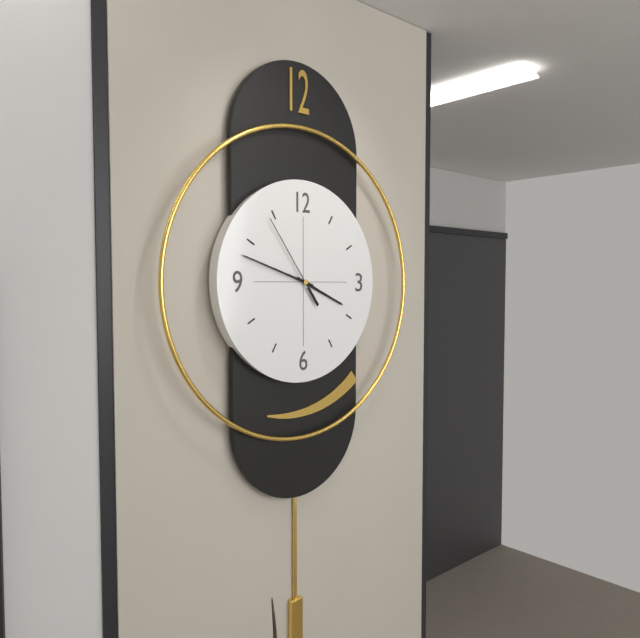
h=3 m=48 s=54
